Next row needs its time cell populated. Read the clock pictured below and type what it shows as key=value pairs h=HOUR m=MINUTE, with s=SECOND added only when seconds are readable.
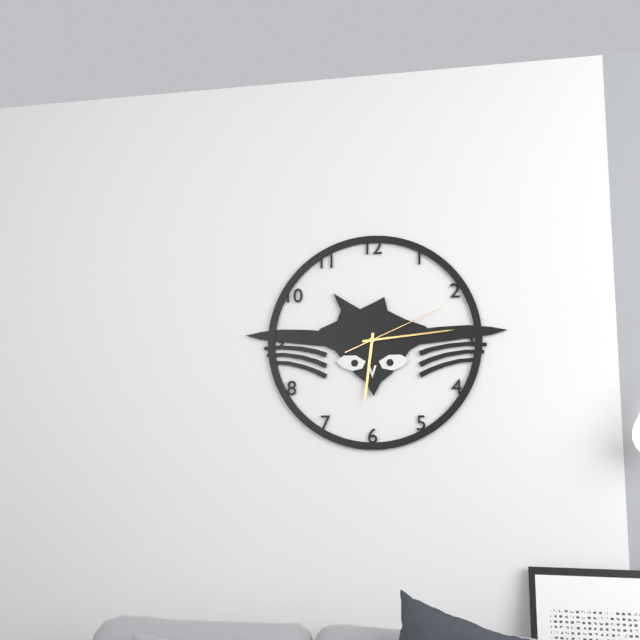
h=6 m=14 s=11
